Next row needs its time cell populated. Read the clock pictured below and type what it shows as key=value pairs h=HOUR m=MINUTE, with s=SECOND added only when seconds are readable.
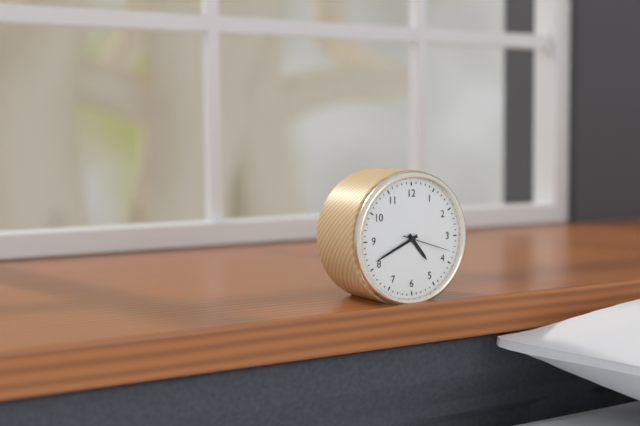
h=4 m=41 s=18
